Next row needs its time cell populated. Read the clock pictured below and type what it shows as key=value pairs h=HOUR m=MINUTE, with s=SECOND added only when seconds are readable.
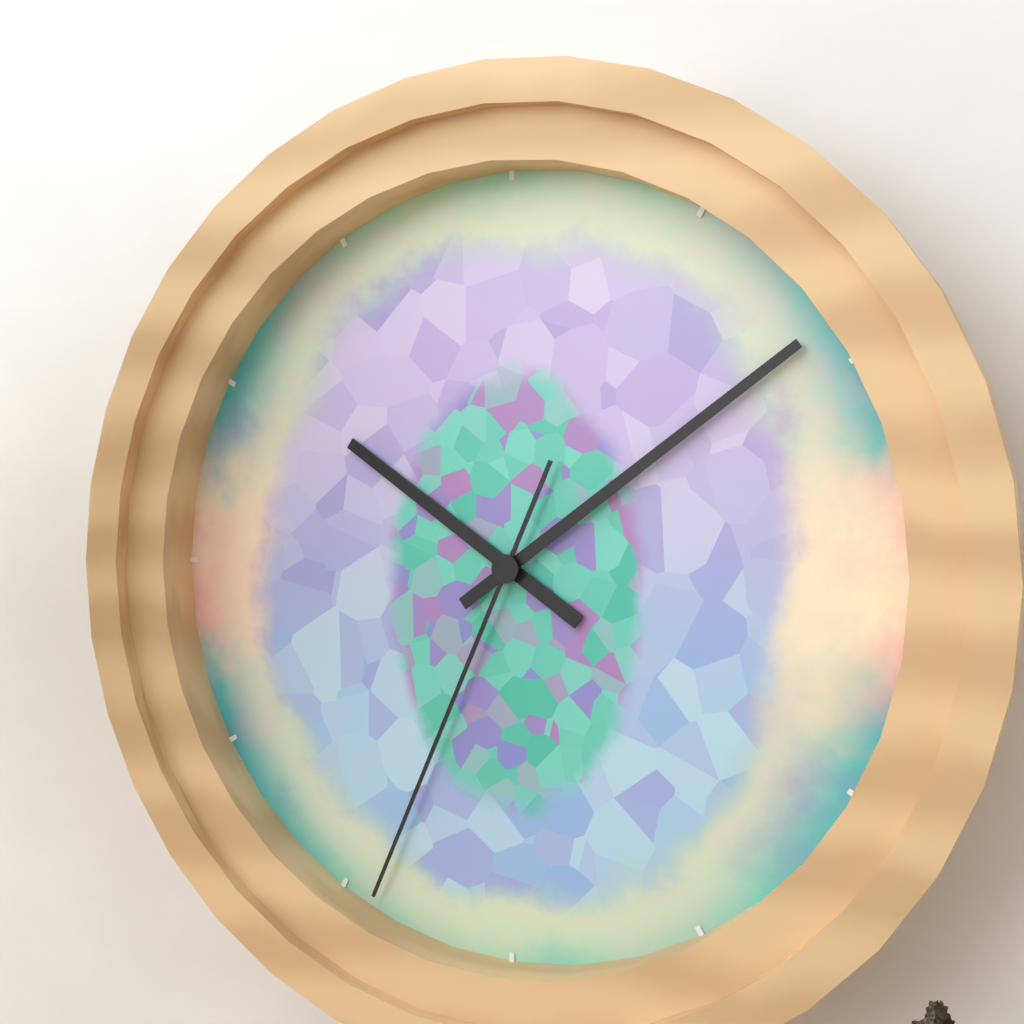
h=10 m=9 s=34
